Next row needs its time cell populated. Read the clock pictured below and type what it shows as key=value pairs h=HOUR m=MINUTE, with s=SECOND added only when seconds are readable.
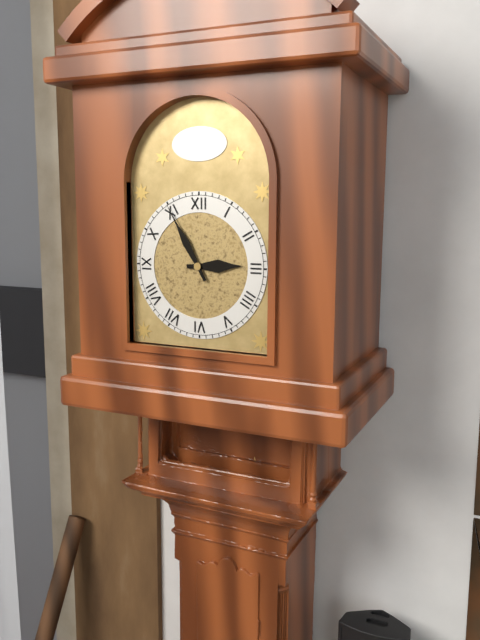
h=2 m=55
